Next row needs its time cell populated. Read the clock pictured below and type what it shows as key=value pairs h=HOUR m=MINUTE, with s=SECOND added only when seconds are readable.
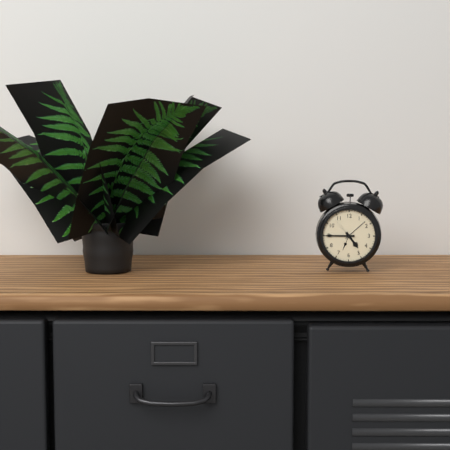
h=4 m=45
